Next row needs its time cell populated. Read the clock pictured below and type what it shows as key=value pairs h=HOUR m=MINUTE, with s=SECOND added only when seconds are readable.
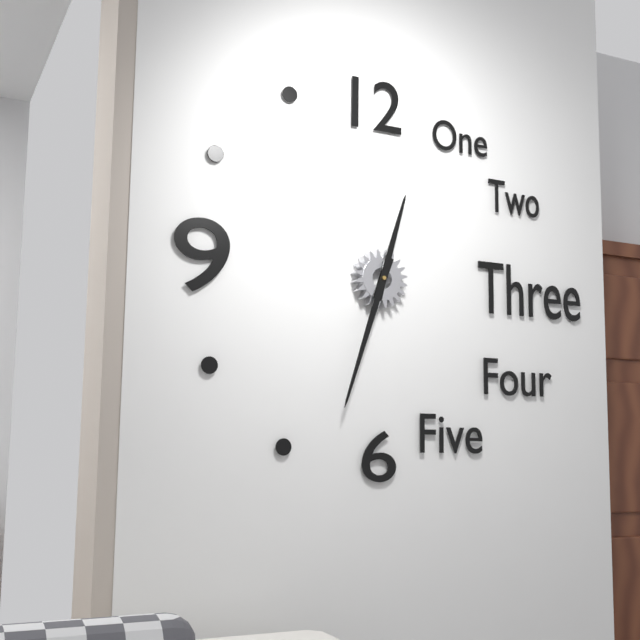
h=12 m=33
